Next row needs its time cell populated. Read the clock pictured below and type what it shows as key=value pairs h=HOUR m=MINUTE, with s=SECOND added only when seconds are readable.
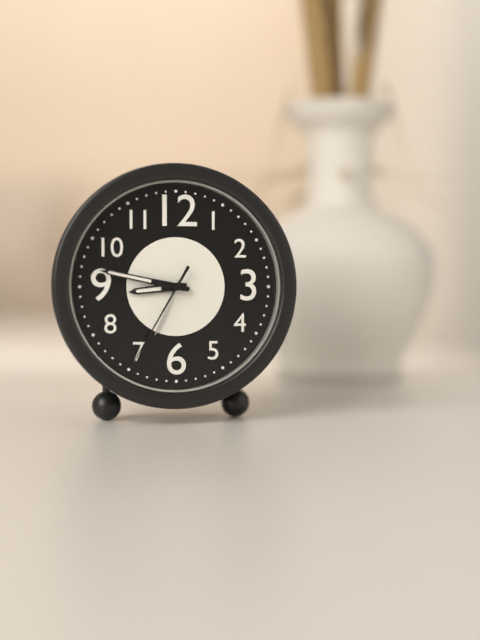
h=8 m=47 s=35
